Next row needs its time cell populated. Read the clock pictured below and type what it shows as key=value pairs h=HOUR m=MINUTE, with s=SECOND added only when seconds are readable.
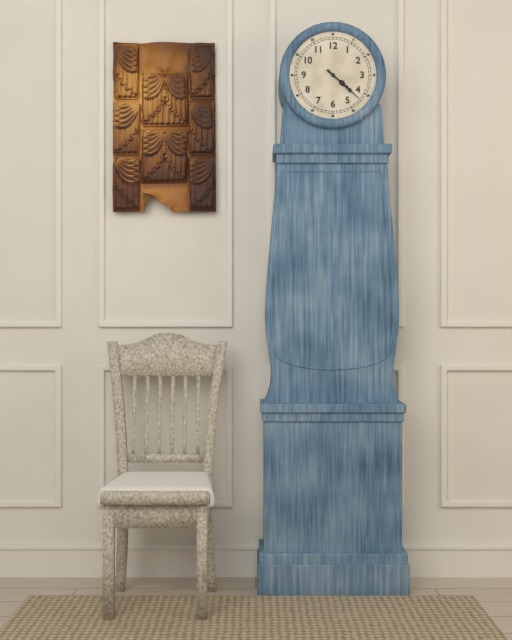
h=4 m=22
